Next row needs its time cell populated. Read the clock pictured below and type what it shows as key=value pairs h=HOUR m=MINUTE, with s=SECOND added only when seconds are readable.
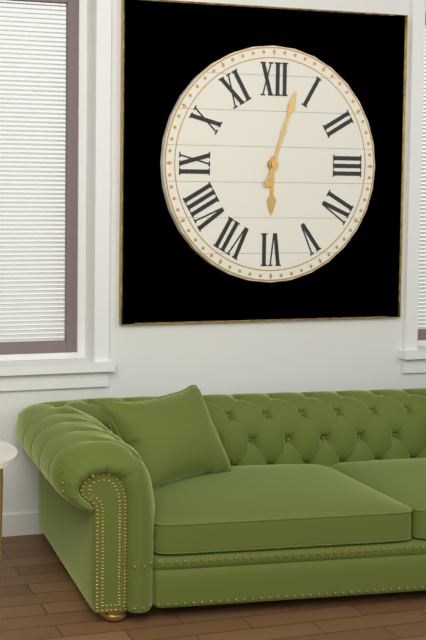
h=6 m=3
